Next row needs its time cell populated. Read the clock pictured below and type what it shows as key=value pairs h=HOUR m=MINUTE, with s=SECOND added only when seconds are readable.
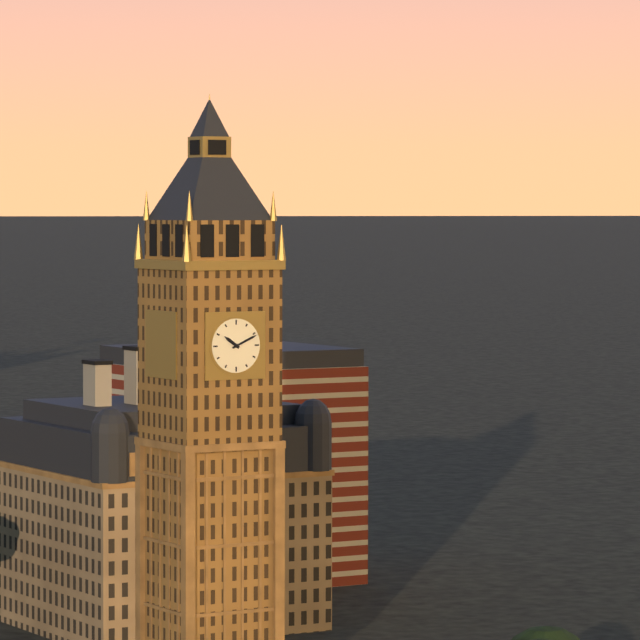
h=10 m=11
